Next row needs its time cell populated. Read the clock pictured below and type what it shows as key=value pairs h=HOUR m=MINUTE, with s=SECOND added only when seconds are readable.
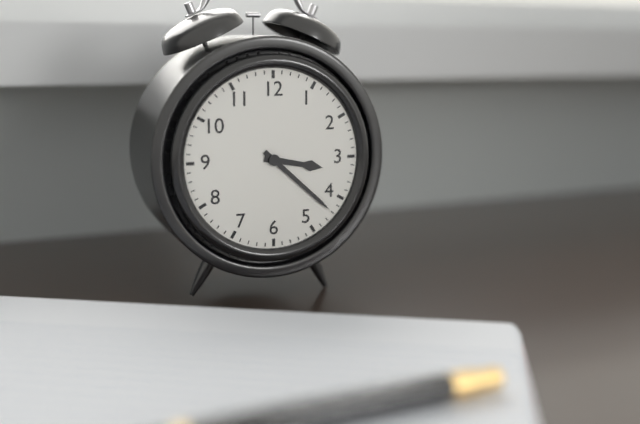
h=3 m=22
